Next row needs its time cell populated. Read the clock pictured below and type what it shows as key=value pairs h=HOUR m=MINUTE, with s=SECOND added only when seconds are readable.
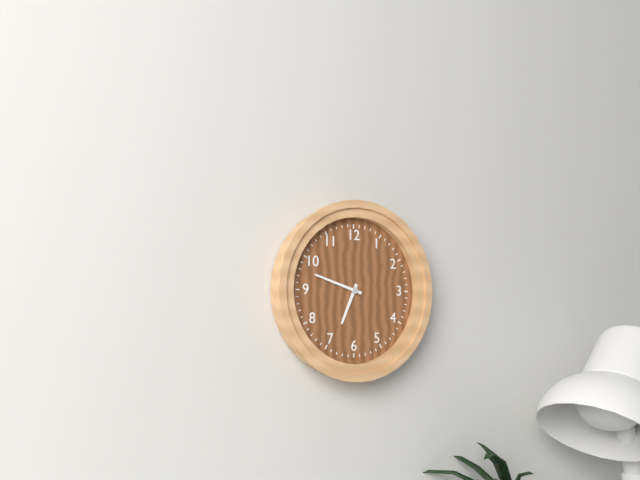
h=6 m=48
